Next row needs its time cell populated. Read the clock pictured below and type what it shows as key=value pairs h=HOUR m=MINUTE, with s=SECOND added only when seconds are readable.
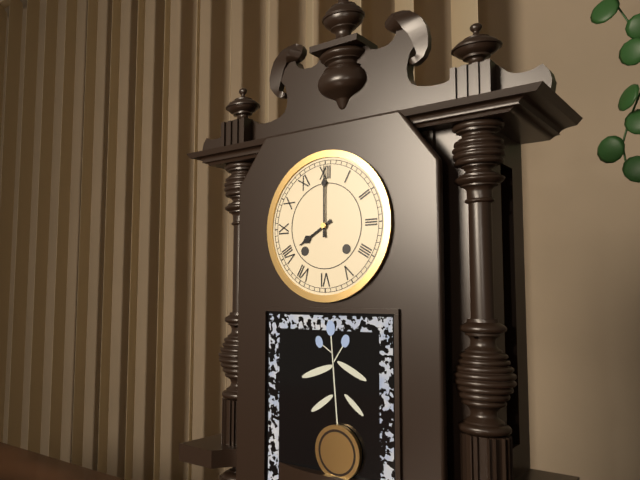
h=8 m=0
